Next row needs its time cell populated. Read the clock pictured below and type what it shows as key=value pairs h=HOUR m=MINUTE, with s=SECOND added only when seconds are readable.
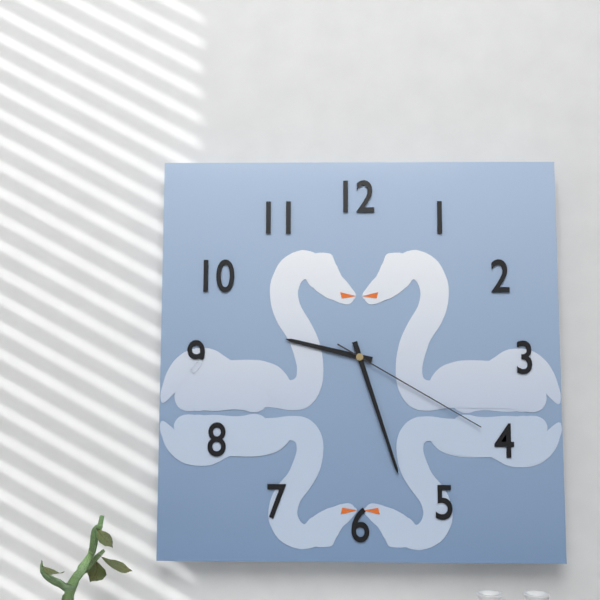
h=9 m=27 s=20
